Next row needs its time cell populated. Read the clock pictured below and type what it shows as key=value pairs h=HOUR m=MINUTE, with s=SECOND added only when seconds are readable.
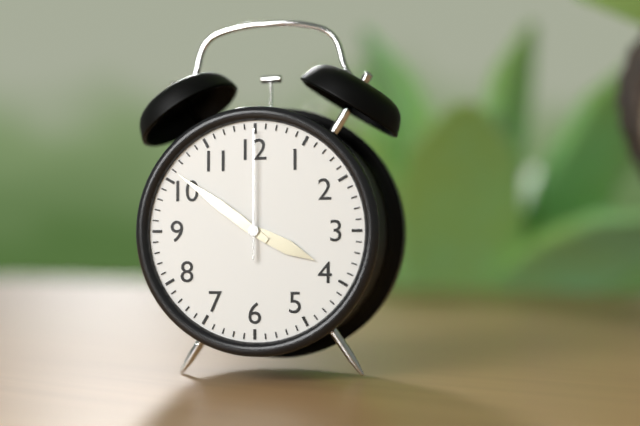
h=3 m=51 s=0
